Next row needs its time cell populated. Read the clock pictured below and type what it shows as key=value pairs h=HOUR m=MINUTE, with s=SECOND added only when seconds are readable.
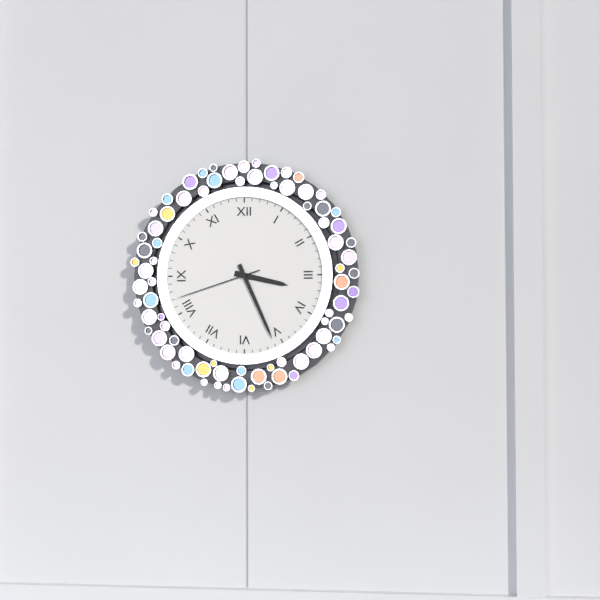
h=3 m=26 s=42
